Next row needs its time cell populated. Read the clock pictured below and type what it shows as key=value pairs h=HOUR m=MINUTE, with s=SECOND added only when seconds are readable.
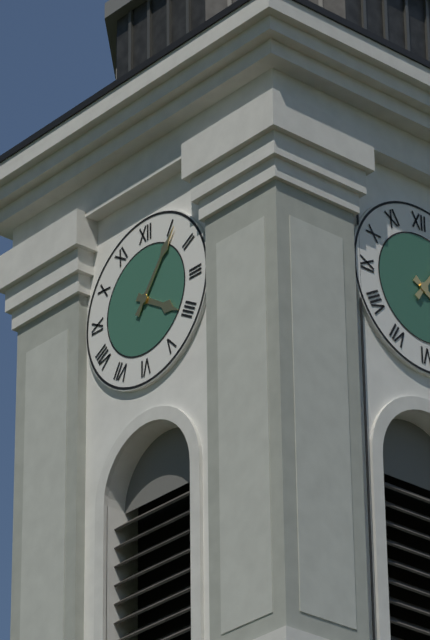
h=4 m=6
